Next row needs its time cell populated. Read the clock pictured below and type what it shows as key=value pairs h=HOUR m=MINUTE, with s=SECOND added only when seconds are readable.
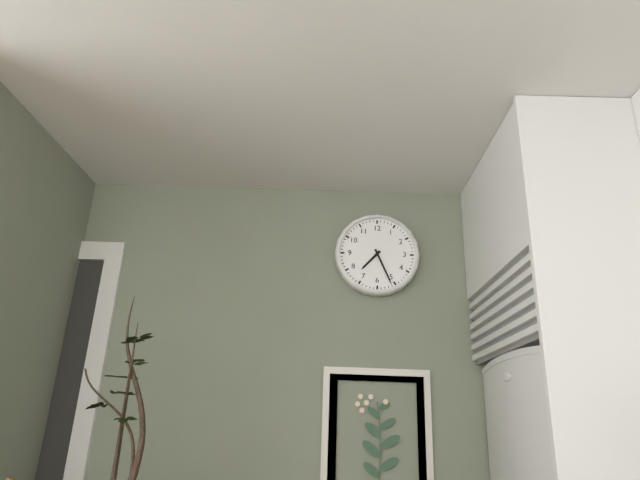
h=7 m=26
